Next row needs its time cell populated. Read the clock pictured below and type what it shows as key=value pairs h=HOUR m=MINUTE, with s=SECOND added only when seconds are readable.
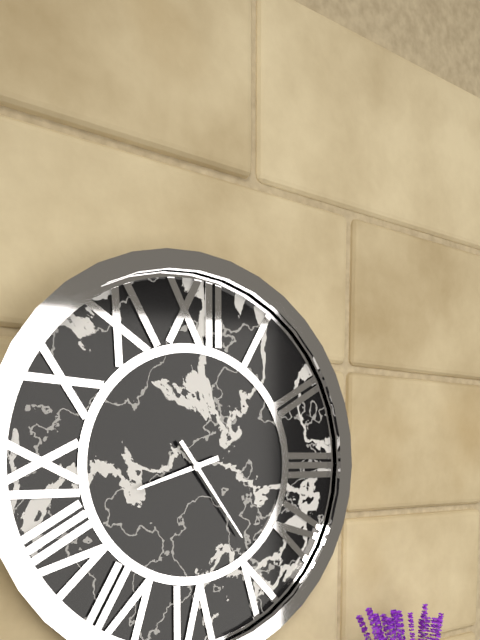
h=8 m=24
